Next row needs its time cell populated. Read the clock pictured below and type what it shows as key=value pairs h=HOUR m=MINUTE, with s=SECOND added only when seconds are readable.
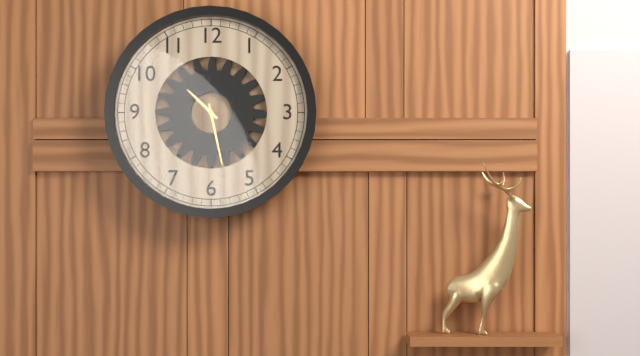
h=10 m=28
